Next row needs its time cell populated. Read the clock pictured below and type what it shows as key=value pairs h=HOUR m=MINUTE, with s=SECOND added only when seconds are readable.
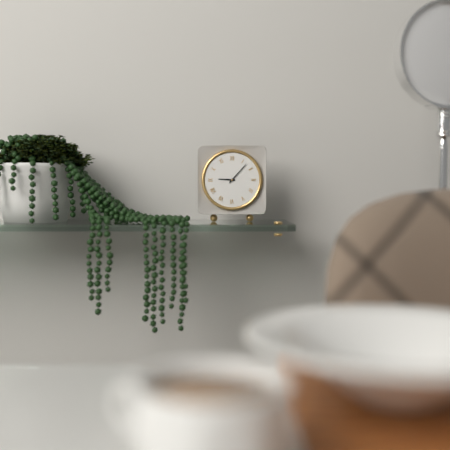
h=9 m=7
